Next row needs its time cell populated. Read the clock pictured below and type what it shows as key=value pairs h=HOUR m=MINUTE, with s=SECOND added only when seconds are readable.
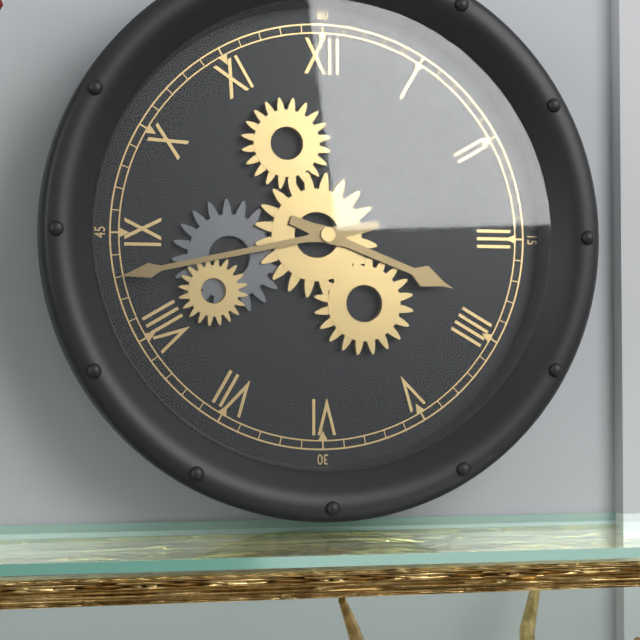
h=3 m=43
